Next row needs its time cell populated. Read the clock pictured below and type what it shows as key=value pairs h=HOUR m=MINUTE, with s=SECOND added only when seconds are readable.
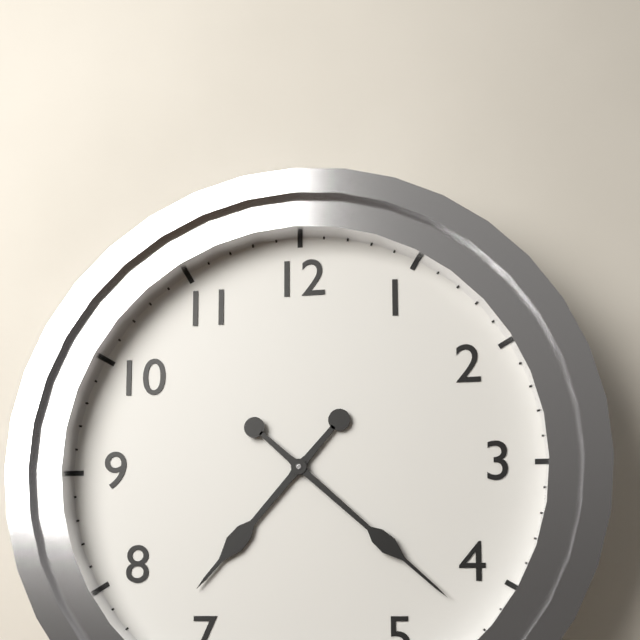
h=7 m=22
